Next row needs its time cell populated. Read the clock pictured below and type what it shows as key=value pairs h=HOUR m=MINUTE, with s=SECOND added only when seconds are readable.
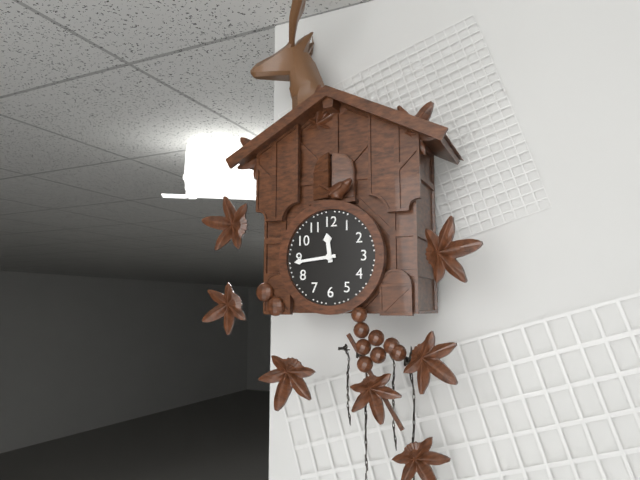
h=11 m=44
